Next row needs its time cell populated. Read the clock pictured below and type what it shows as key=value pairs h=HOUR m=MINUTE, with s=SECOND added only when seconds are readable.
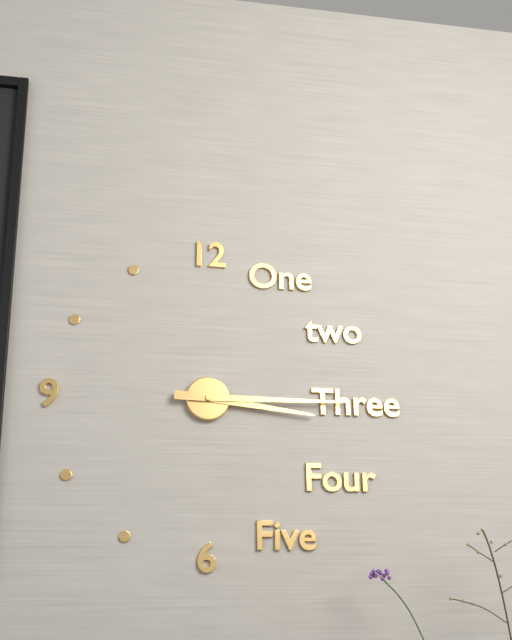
h=3 m=15
